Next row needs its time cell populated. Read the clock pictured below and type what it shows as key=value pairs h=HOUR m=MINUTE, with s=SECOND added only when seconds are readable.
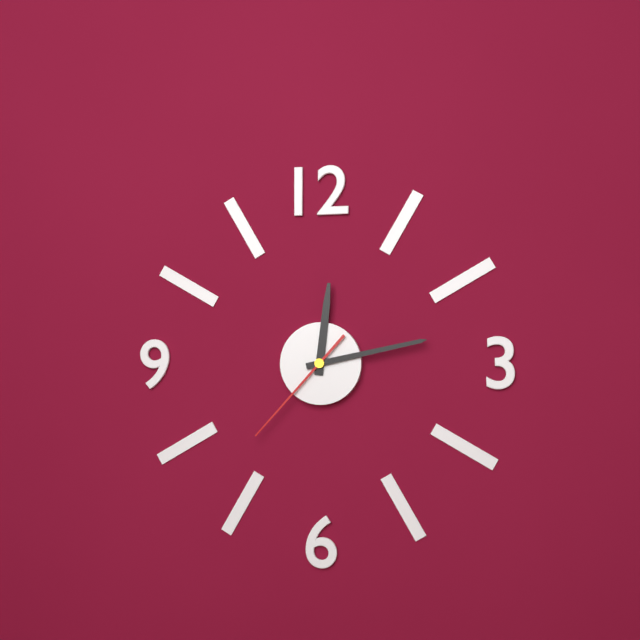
h=12 m=13 s=37
